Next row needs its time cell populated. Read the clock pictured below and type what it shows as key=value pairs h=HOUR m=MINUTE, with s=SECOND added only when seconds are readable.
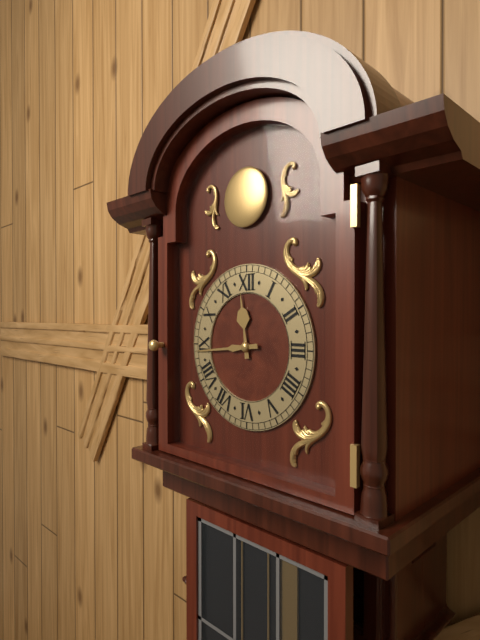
h=11 m=44
